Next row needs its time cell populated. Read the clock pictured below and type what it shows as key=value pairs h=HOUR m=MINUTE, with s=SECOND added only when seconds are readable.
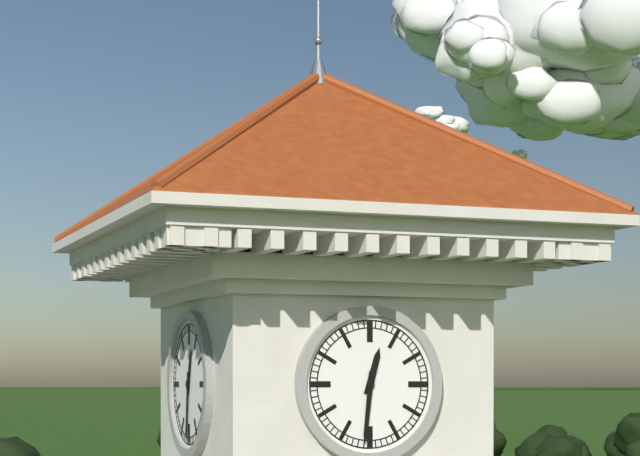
h=12 m=31
